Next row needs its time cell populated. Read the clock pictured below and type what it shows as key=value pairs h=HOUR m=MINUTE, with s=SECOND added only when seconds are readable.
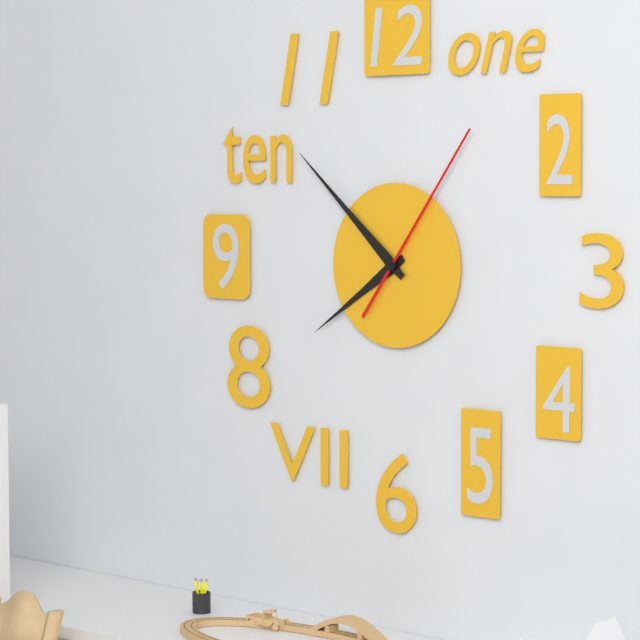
h=7 m=52 s=6
